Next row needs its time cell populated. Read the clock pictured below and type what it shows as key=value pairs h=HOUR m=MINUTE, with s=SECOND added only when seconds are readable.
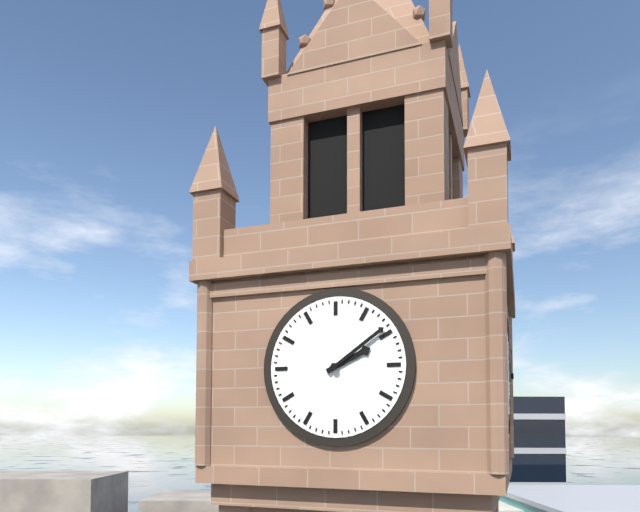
h=2 m=9
